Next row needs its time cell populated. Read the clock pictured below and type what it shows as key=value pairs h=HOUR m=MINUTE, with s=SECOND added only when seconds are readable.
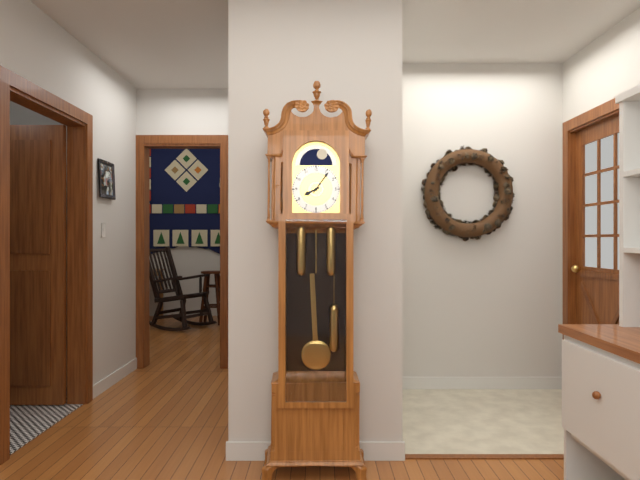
h=8 m=6
